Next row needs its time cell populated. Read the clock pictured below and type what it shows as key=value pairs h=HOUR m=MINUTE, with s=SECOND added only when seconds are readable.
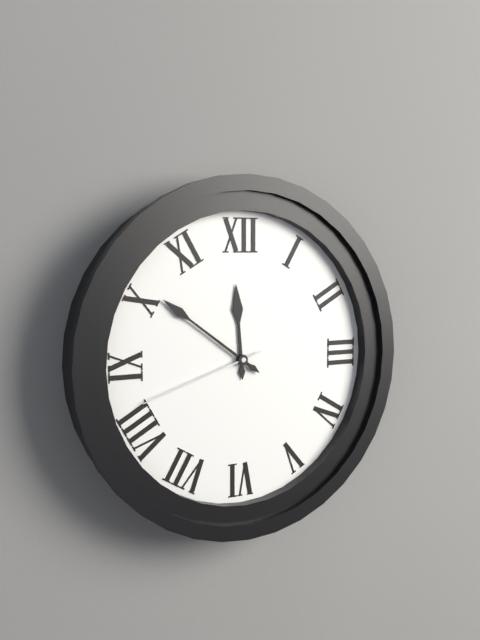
h=11 m=51 s=42
